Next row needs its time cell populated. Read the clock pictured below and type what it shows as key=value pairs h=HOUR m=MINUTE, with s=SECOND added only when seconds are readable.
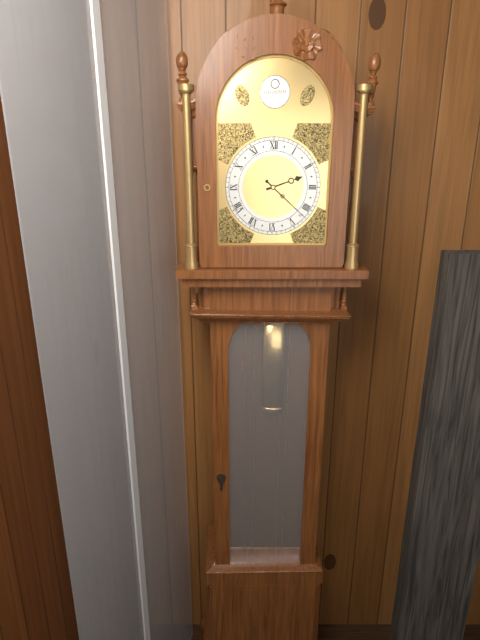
h=2 m=22
